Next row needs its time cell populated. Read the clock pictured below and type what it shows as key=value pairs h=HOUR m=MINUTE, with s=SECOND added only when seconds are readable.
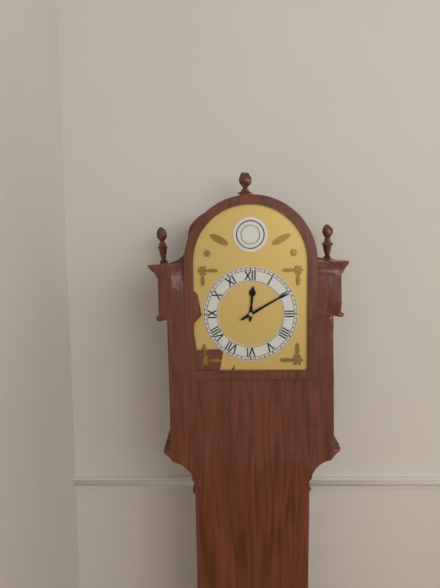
h=12 m=10
